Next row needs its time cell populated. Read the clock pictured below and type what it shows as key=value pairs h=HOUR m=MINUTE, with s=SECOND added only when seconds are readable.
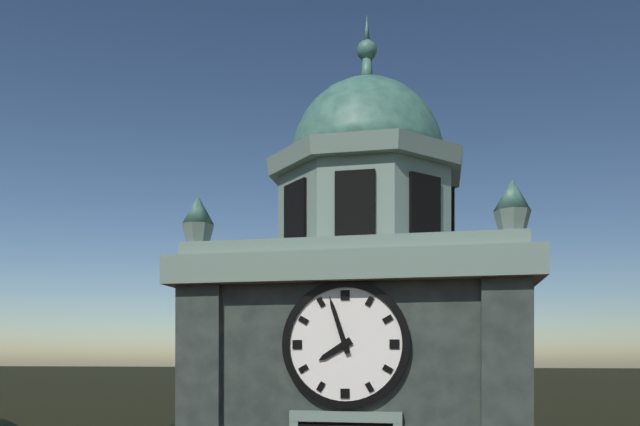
h=7 m=57
